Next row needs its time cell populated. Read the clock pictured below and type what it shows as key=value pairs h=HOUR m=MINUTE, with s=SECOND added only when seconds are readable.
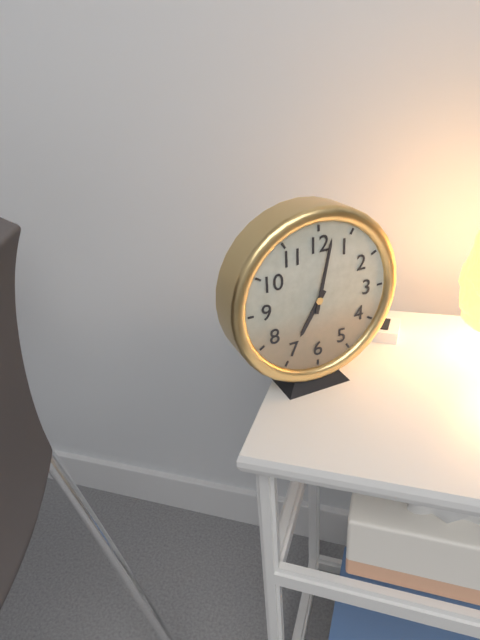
h=7 m=2
